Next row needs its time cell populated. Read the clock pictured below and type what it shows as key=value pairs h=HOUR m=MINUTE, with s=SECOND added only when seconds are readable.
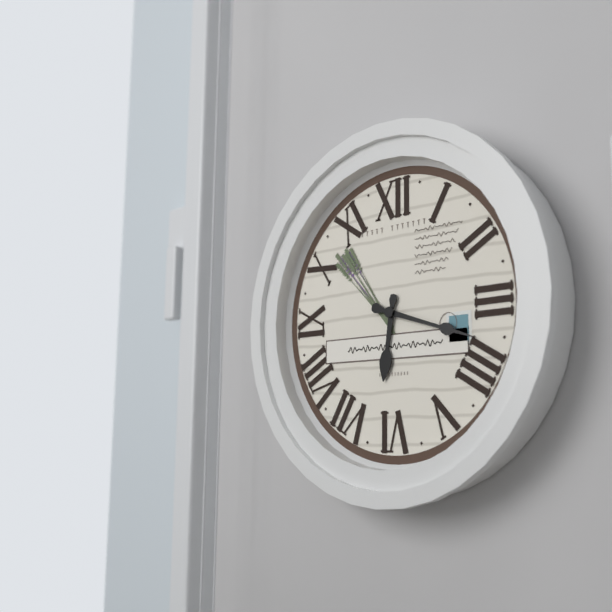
h=6 m=18
